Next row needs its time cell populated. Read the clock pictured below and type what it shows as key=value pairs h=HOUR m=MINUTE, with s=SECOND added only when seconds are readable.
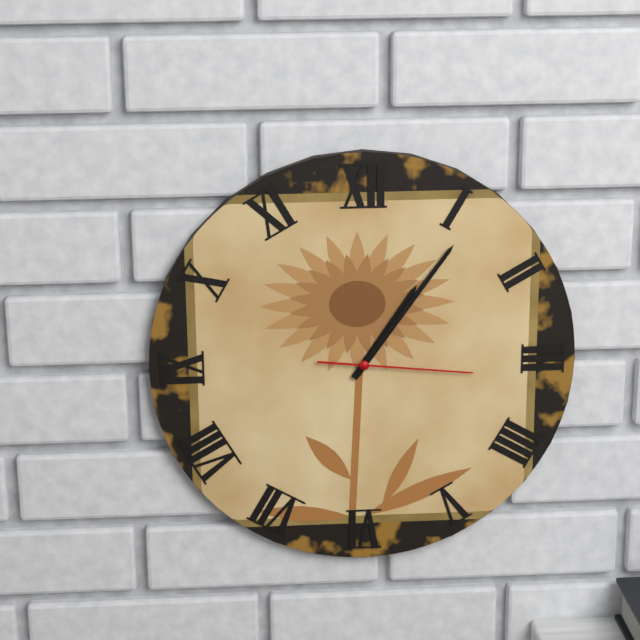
h=1 m=6 s=16
